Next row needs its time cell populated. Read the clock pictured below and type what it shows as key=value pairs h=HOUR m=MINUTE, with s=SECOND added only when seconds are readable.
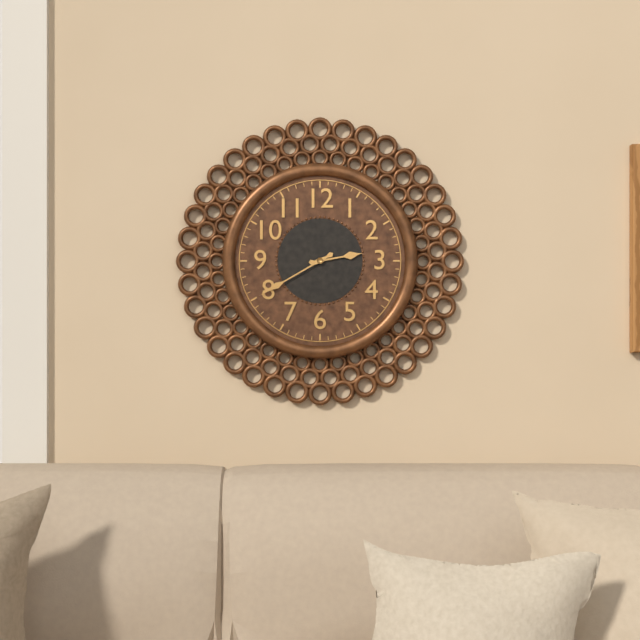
h=2 m=40
